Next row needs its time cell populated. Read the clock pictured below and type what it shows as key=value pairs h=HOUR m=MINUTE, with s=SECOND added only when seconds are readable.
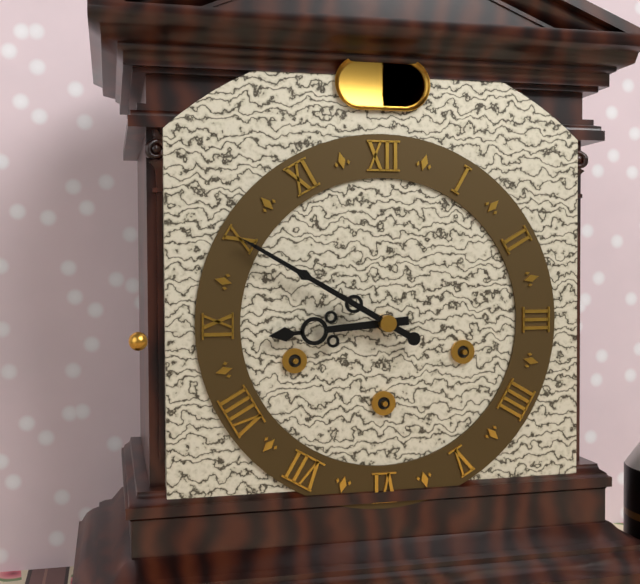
h=8 m=50
